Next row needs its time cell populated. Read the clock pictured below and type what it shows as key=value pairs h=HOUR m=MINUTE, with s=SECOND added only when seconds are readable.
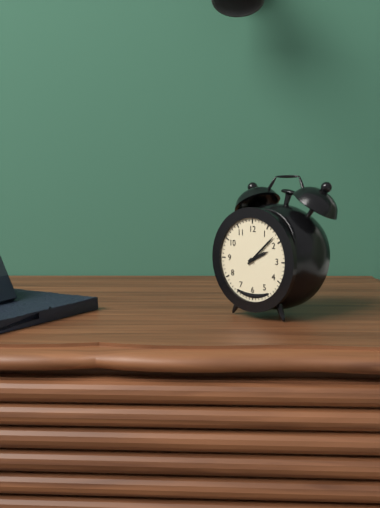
h=2 m=8
